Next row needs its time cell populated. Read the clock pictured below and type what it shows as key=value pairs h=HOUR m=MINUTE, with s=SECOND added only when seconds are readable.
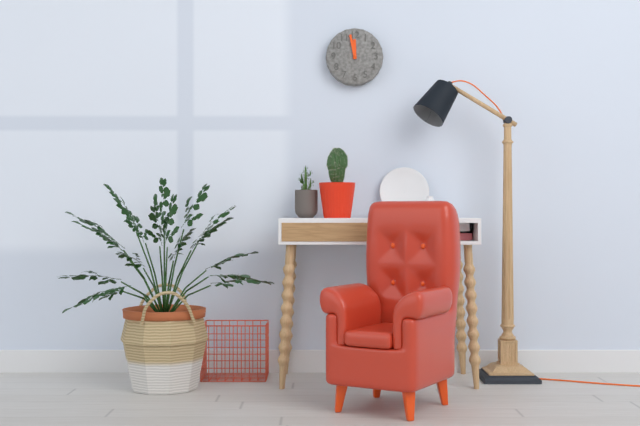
h=11 m=58
